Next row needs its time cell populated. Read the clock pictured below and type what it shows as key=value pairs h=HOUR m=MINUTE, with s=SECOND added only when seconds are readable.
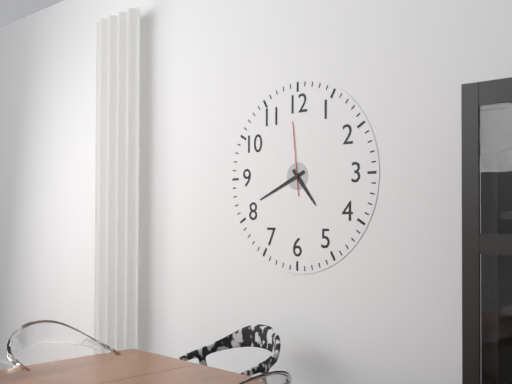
h=4 m=41 s=59
